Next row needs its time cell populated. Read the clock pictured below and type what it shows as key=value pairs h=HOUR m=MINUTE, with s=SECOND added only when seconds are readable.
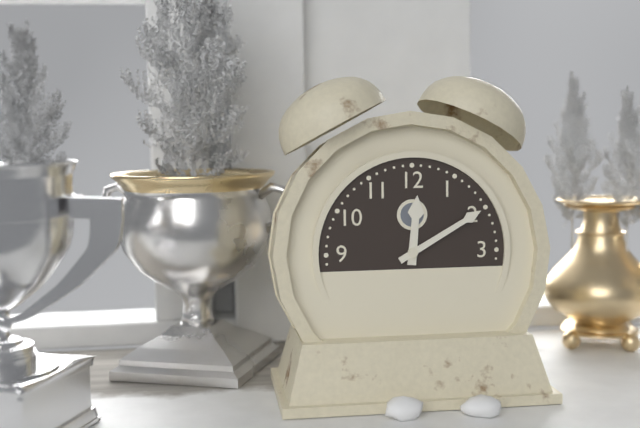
h=12 m=10
